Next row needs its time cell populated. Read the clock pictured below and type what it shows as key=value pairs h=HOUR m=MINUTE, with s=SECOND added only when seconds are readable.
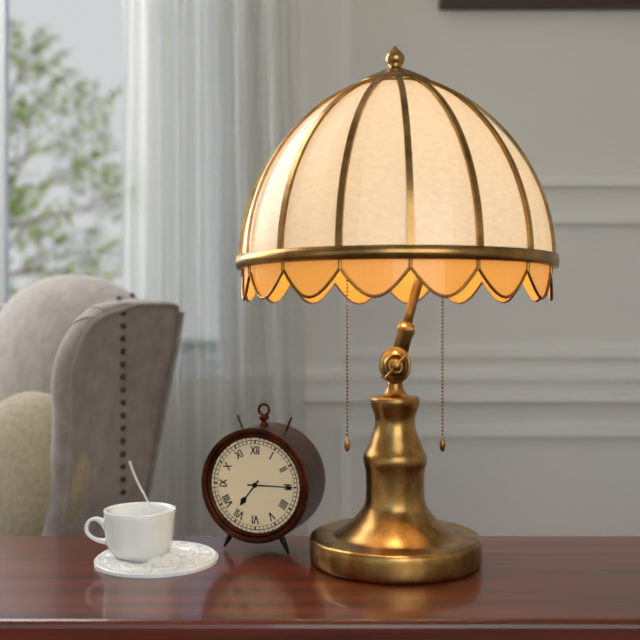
h=7 m=15
